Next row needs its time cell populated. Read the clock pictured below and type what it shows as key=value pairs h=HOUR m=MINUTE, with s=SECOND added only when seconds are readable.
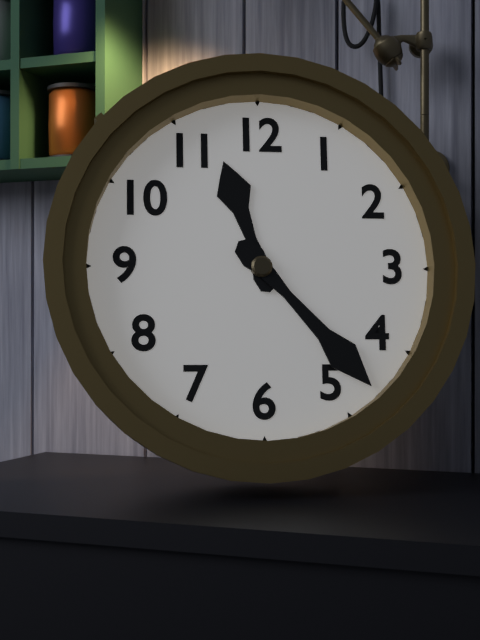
h=11 m=23
